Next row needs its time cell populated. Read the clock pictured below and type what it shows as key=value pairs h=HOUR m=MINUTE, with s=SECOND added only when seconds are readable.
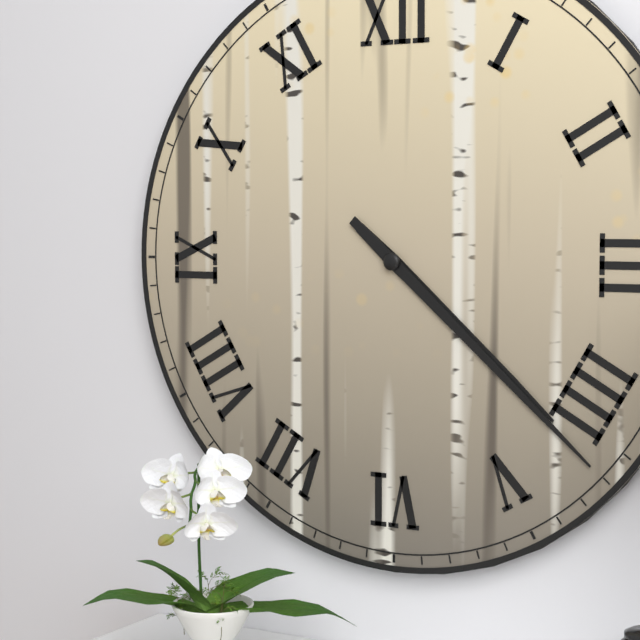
h=4 m=22
